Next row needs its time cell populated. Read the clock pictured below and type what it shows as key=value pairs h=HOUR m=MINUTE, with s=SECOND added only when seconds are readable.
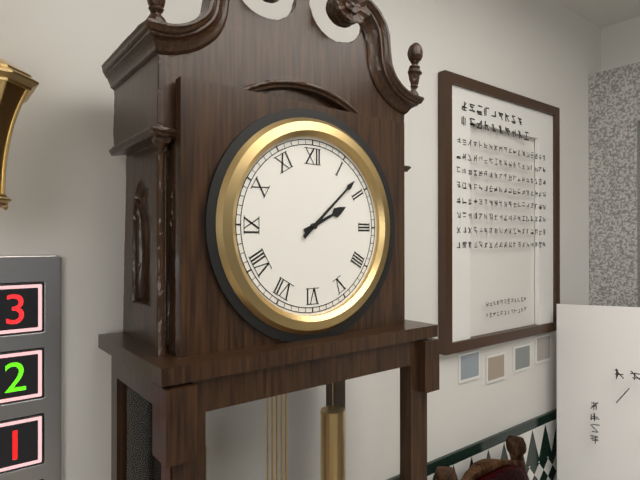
h=2 m=8
